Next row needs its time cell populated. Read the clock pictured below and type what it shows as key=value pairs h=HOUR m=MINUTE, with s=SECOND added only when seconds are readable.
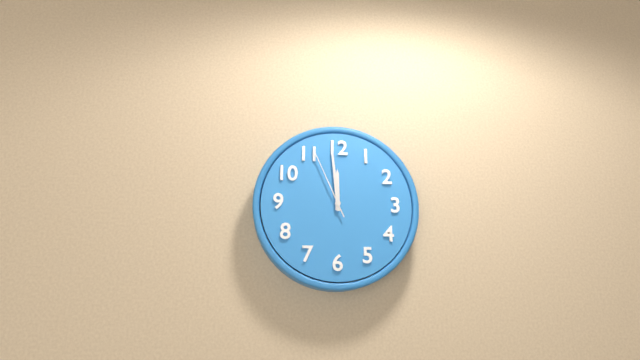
h=11 m=59 s=56
